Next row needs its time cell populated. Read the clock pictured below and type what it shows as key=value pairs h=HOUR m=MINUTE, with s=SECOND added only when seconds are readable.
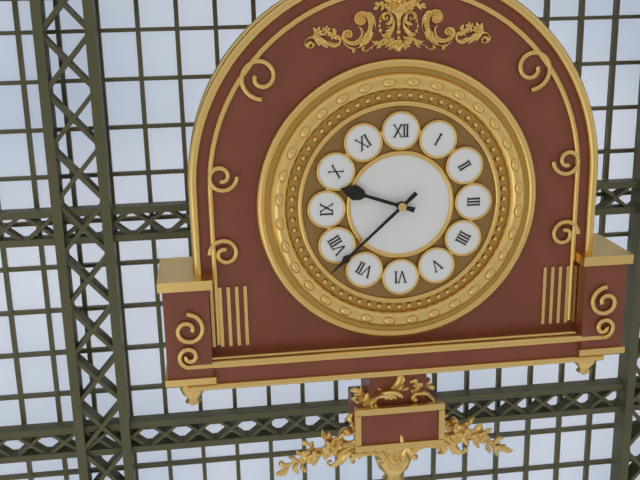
h=9 m=38
